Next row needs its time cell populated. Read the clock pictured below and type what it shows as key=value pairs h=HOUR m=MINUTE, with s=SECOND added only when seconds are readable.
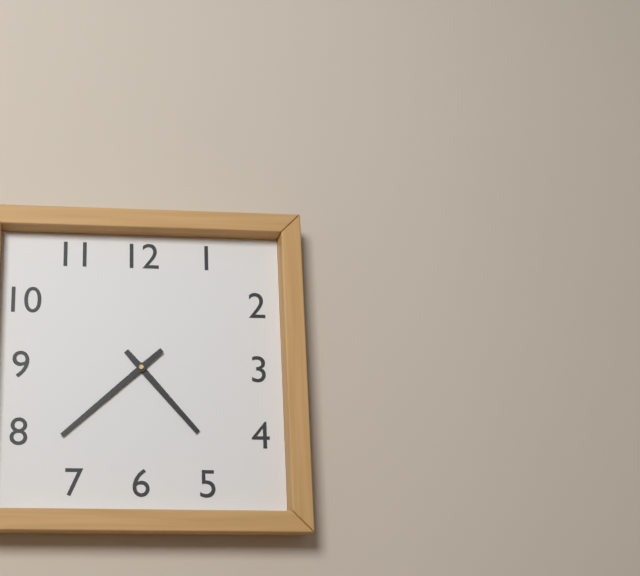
h=4 m=38
